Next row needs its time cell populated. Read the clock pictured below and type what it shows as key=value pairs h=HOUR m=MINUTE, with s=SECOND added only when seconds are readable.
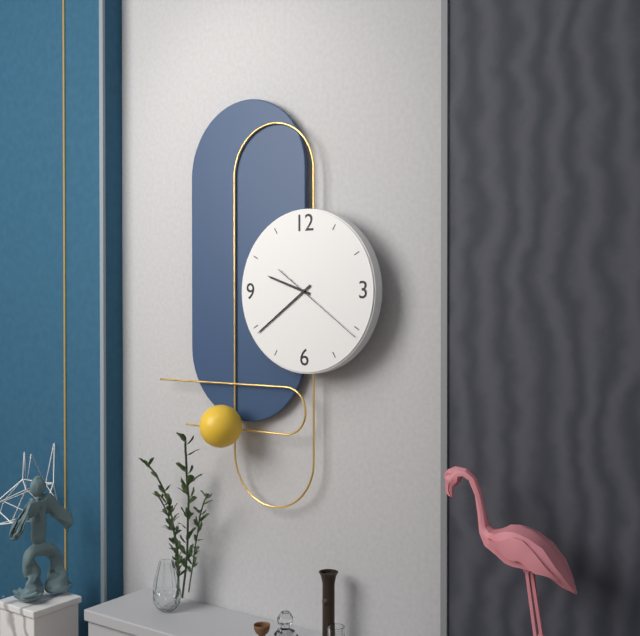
h=9 m=39 s=21
